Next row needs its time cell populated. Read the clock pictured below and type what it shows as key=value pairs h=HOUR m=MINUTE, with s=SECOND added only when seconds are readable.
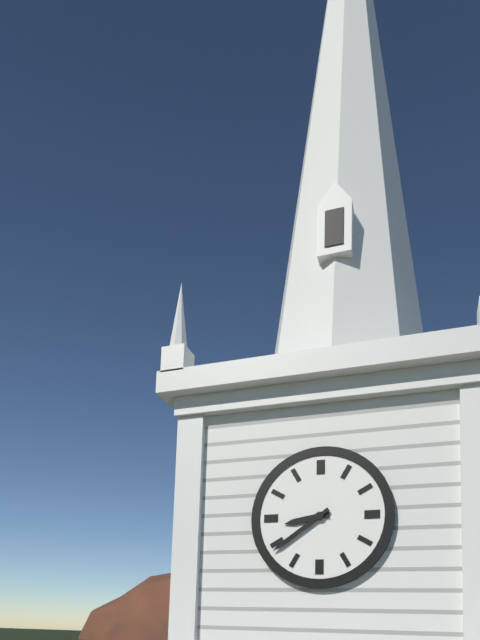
h=8 m=39
